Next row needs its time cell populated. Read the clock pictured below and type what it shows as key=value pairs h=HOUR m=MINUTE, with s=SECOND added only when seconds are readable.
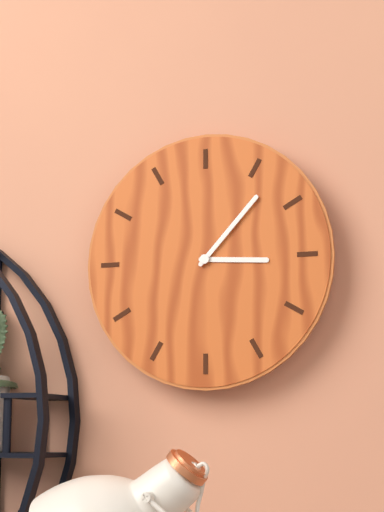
h=3 m=7
